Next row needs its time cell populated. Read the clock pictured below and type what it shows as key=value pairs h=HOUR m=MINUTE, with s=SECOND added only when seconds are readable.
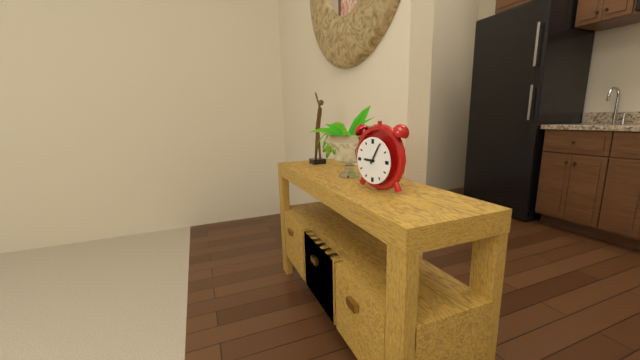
h=9 m=5
